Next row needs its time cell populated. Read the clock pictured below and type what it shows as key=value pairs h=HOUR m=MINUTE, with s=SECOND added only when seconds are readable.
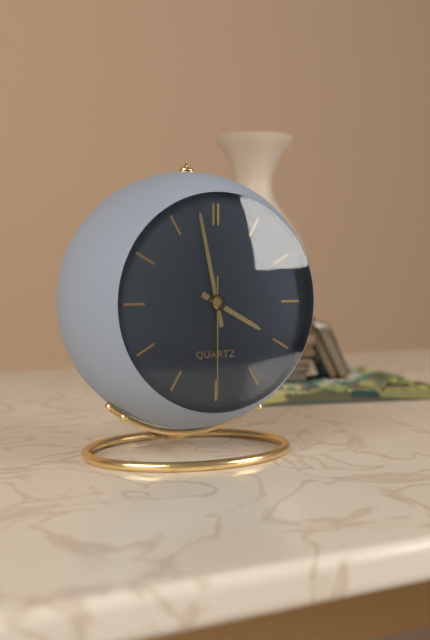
h=3 m=58 s=30
